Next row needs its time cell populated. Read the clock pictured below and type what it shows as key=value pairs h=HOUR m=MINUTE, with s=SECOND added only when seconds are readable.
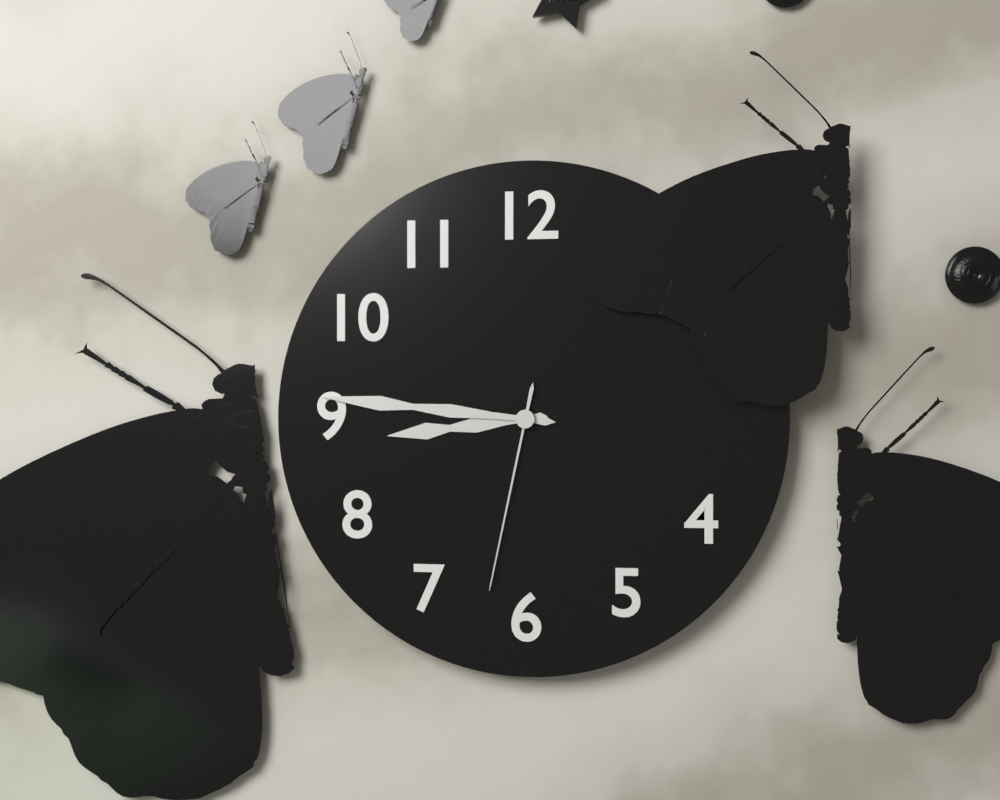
h=8 m=46 s=32
